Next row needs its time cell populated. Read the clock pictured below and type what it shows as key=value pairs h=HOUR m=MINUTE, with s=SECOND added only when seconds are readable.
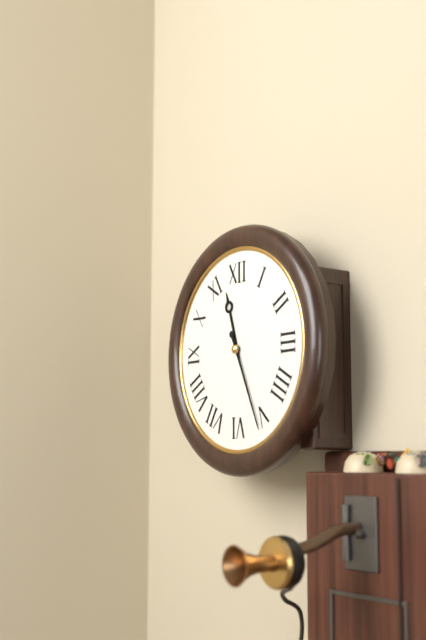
h=11 m=26
